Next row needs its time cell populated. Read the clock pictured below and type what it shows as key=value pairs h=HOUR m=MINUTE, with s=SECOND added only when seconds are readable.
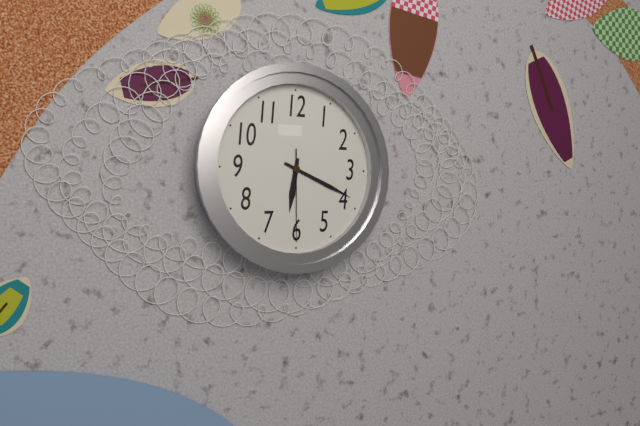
h=6 m=19 s=30
